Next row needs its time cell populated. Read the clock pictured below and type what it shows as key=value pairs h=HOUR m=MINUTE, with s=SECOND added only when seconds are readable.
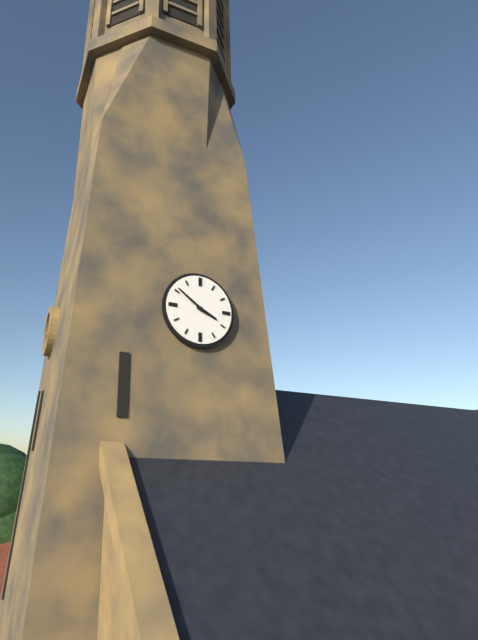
h=3 m=51
